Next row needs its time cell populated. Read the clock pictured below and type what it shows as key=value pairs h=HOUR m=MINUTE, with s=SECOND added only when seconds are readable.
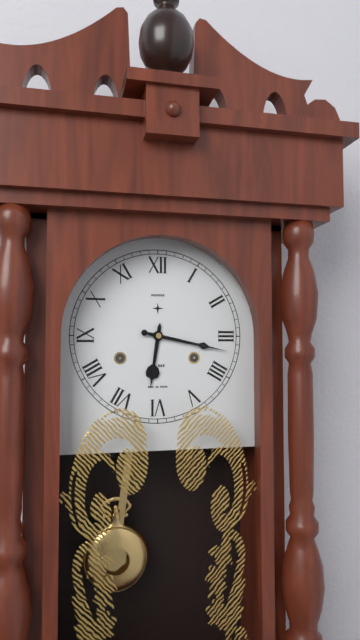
h=6 m=17
